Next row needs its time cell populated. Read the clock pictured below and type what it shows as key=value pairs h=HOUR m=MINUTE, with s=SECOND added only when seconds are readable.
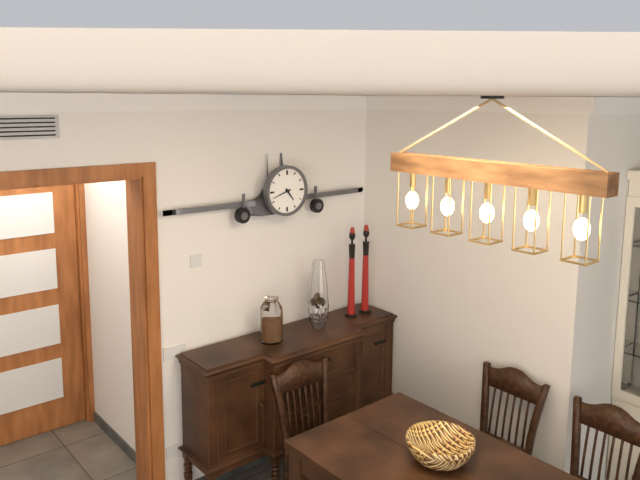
h=4 m=42
